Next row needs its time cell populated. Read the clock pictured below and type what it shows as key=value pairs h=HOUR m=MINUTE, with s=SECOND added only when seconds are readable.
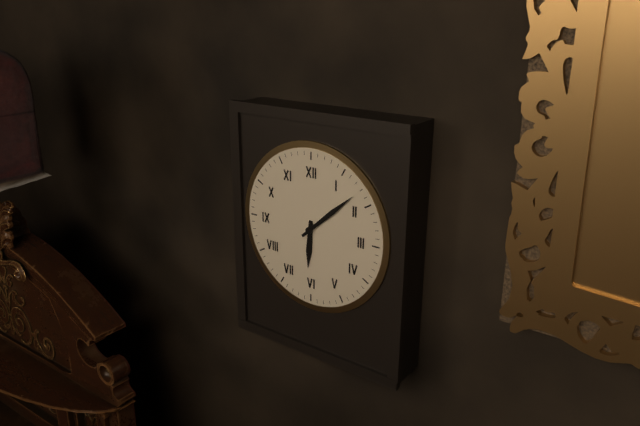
h=6 m=8
